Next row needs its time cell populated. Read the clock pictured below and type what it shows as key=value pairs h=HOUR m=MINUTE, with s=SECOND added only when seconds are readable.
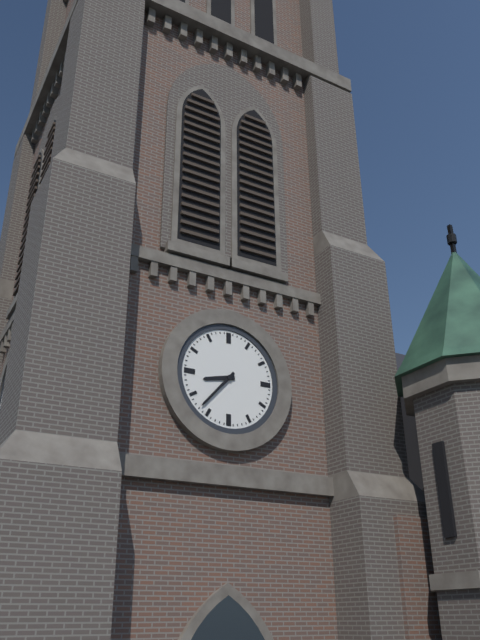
h=8 m=37
